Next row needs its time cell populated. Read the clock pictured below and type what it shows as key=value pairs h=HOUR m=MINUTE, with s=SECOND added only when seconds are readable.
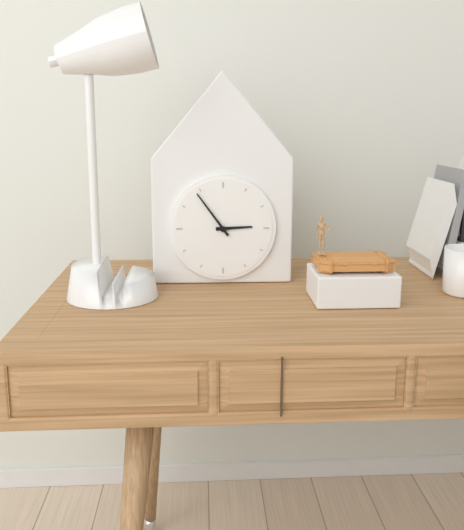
h=2 m=54
